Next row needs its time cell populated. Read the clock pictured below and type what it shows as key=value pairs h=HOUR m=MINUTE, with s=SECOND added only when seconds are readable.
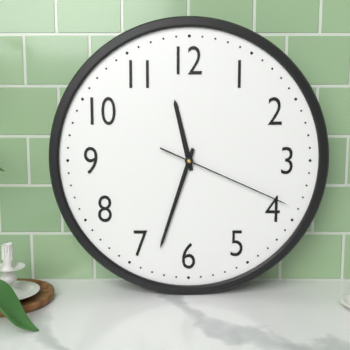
h=11 m=33 s=19
